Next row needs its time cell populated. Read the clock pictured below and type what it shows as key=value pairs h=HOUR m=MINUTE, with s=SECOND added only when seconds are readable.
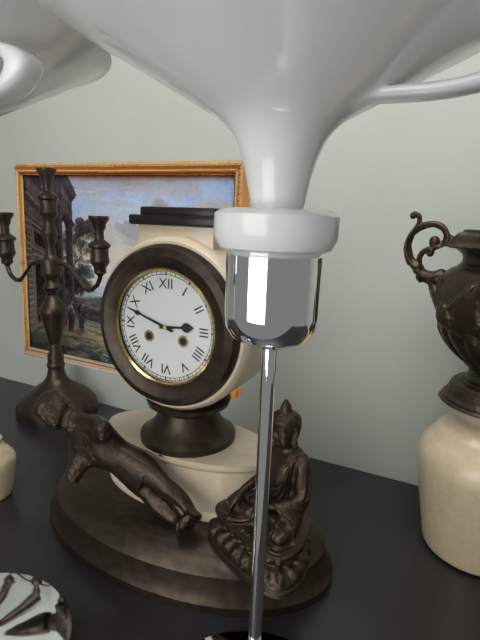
h=2 m=48
